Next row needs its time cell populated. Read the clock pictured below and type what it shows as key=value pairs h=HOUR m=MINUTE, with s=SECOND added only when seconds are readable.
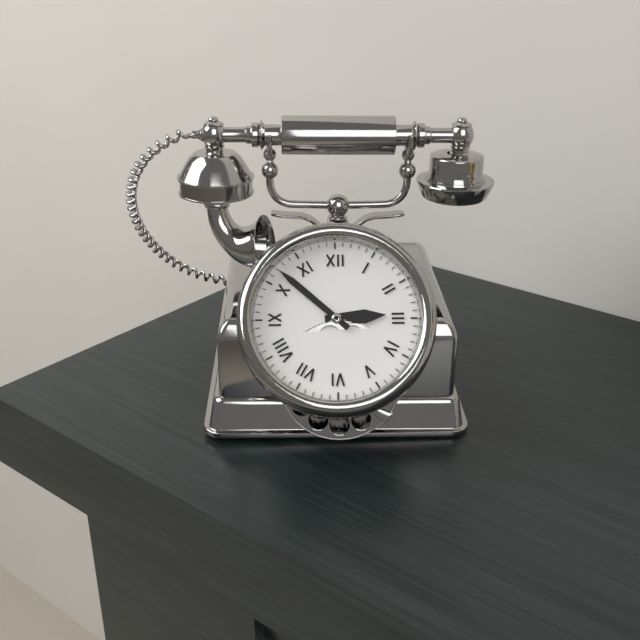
h=2 m=52
